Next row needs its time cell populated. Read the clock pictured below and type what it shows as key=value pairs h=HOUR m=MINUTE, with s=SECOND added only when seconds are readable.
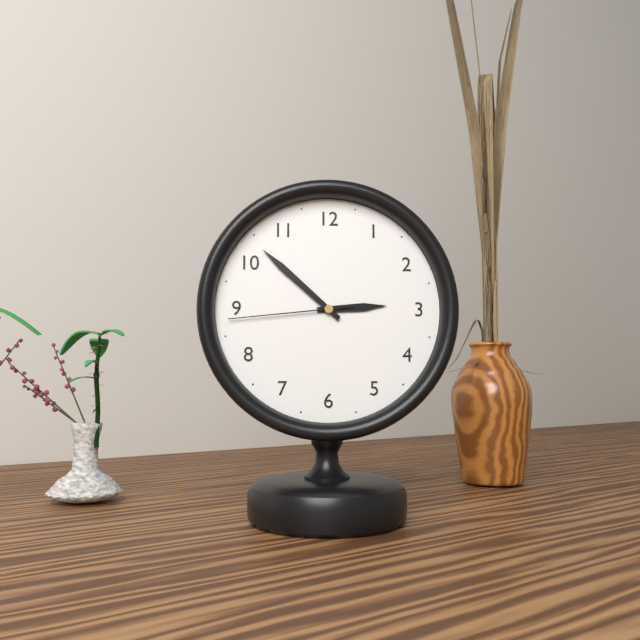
h=2 m=52 s=44
